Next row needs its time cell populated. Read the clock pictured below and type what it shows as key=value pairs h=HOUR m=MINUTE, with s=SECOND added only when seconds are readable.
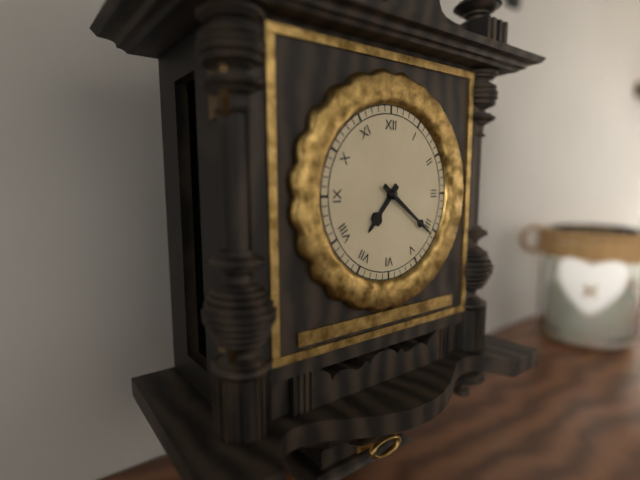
h=7 m=21
